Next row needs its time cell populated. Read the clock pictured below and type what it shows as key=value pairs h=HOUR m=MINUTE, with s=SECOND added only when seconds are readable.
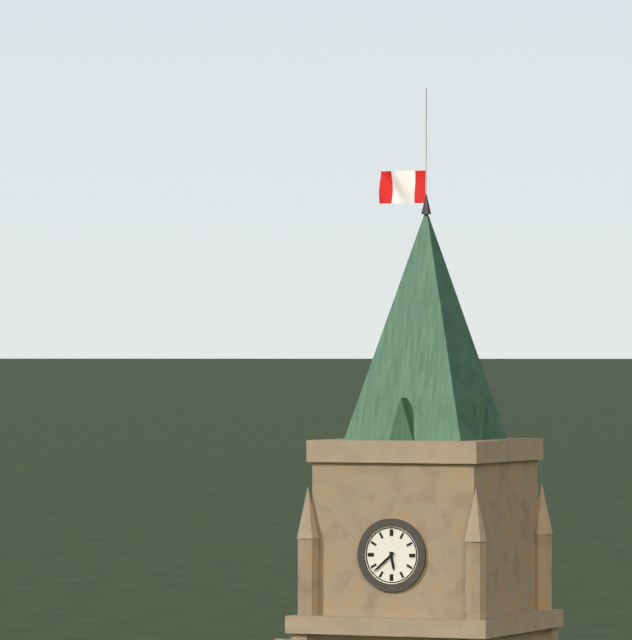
h=5 m=38
